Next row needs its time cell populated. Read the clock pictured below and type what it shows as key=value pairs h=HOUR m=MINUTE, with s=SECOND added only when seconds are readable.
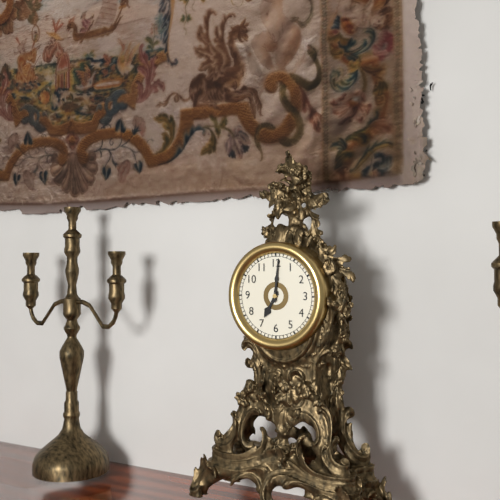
h=7 m=1
